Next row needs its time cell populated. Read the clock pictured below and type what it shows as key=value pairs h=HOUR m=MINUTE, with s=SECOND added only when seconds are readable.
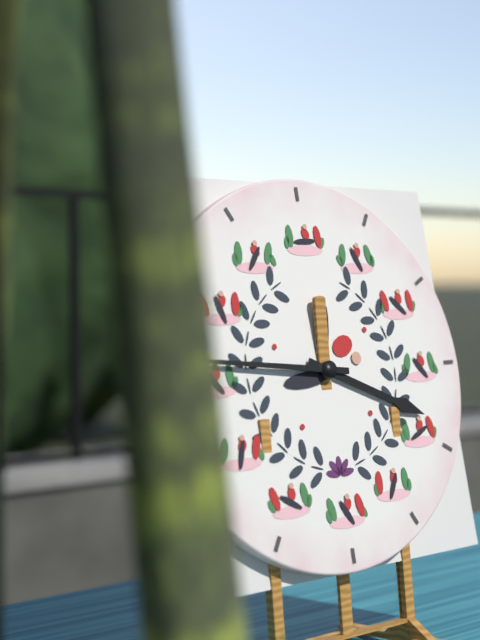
h=3 m=46
